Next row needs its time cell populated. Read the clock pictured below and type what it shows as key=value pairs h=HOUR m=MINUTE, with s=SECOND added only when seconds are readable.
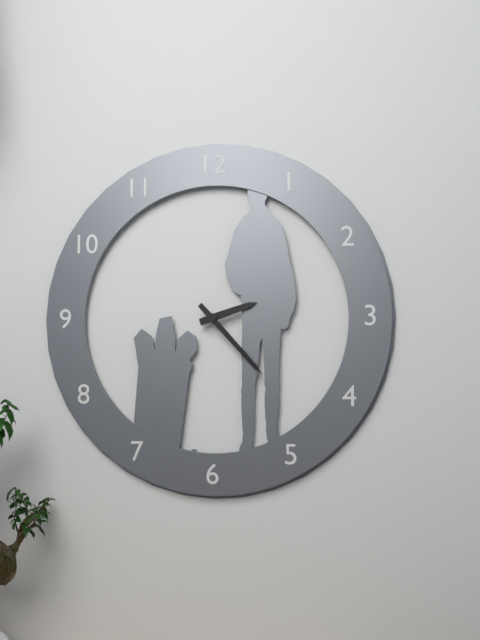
h=2 m=23
